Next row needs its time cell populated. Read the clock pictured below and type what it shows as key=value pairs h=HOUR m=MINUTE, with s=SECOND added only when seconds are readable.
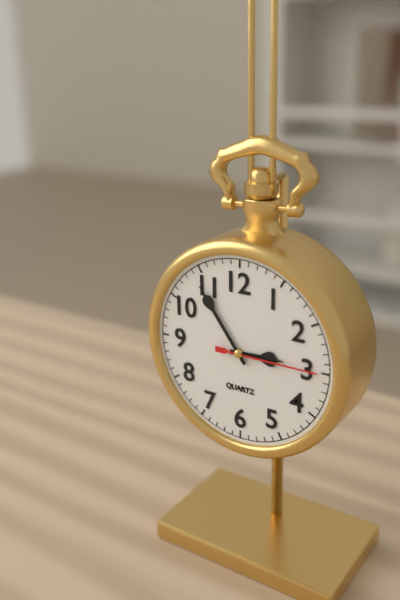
h=2 m=54 s=15
